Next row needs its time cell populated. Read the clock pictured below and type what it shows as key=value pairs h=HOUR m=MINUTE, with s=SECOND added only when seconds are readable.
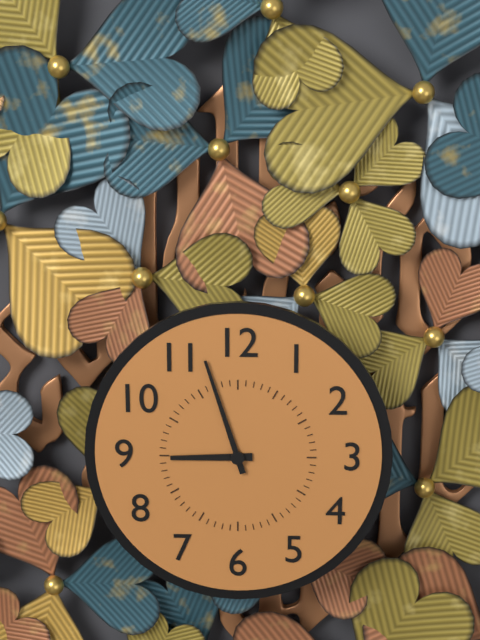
h=8 m=57
